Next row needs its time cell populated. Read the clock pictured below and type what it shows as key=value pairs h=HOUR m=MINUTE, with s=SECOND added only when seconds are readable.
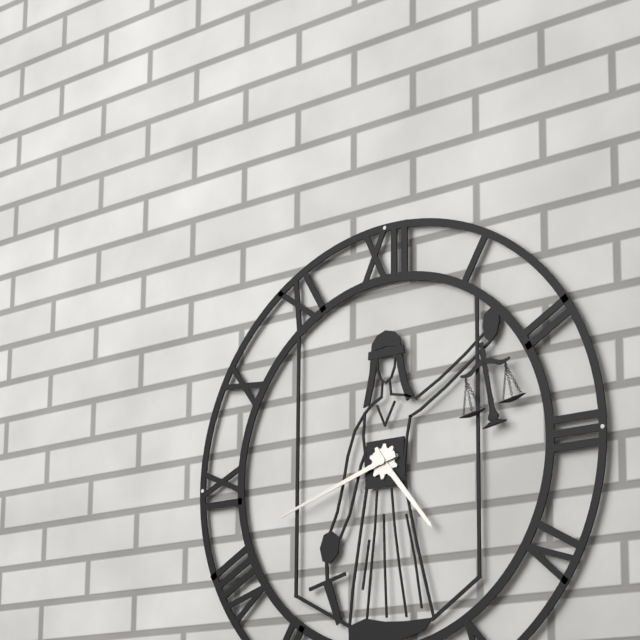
h=4 m=42
